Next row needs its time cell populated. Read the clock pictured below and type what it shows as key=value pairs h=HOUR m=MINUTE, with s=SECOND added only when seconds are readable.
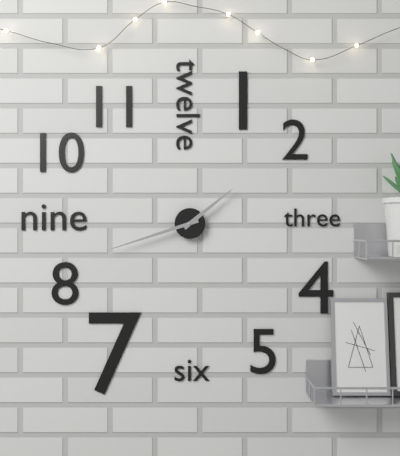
h=1 m=42
